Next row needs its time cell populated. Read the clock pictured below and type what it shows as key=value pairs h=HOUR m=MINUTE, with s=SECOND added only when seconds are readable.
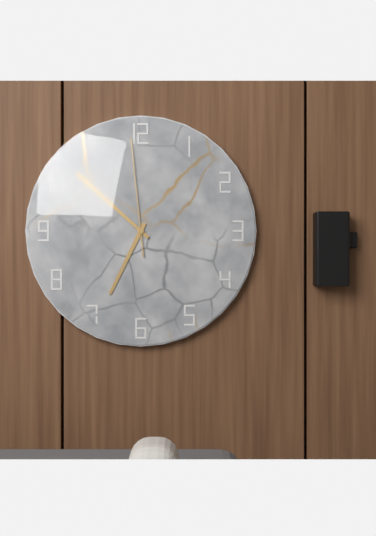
h=6 m=52 s=59
